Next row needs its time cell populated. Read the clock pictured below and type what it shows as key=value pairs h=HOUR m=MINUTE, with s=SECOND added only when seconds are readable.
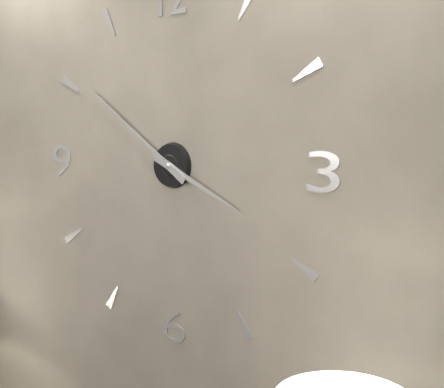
h=3 m=51
